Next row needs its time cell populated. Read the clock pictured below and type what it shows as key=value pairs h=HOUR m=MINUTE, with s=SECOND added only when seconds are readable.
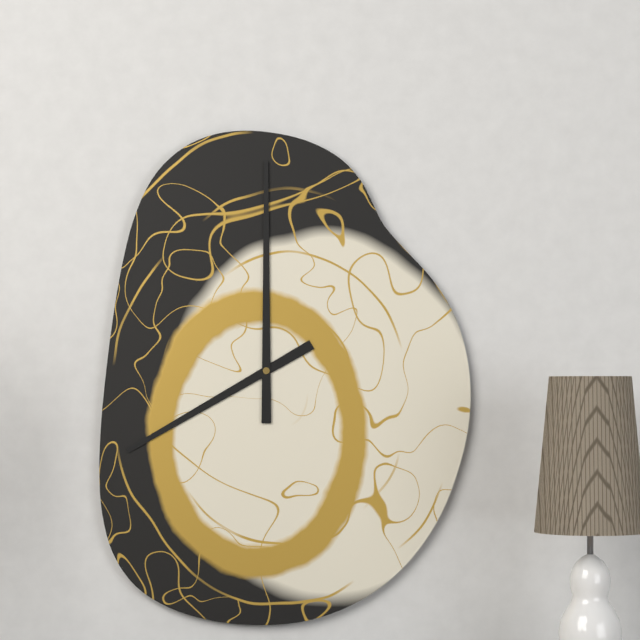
h=8 m=0
